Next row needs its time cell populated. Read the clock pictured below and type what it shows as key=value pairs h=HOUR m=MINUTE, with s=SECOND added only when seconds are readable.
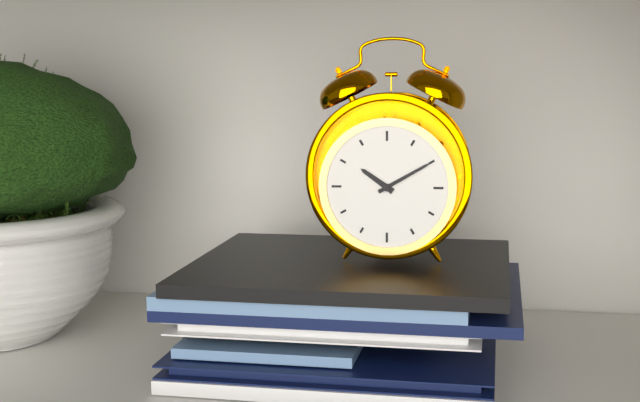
h=10 m=10
